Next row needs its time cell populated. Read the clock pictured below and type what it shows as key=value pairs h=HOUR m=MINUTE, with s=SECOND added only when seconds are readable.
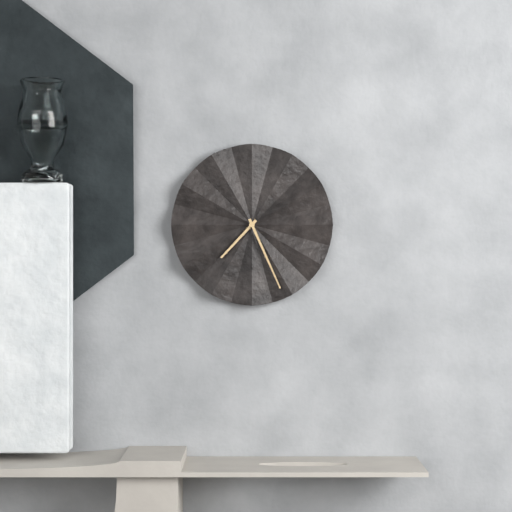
h=7 m=26
